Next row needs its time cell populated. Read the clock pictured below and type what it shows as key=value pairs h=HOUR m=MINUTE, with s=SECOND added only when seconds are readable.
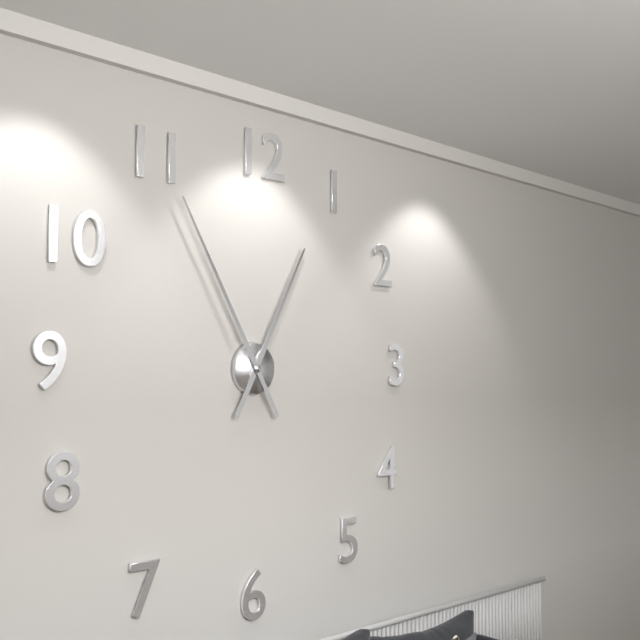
h=12 m=55
